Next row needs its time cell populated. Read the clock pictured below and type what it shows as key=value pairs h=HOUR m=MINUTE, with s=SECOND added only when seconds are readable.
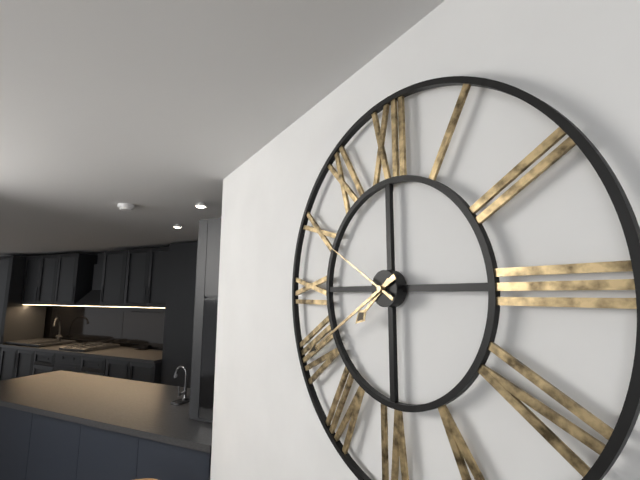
h=7 m=40 s=50
